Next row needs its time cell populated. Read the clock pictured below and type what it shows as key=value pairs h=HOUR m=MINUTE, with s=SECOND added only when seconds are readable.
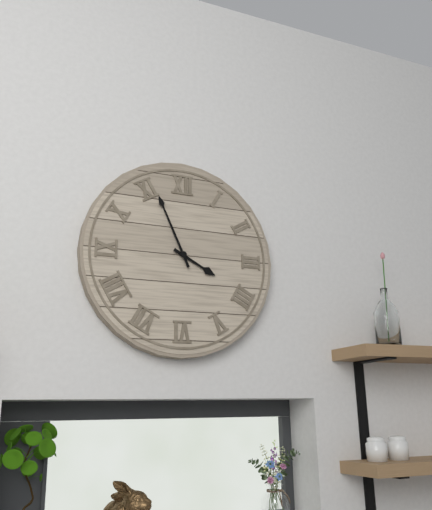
h=3 m=56
